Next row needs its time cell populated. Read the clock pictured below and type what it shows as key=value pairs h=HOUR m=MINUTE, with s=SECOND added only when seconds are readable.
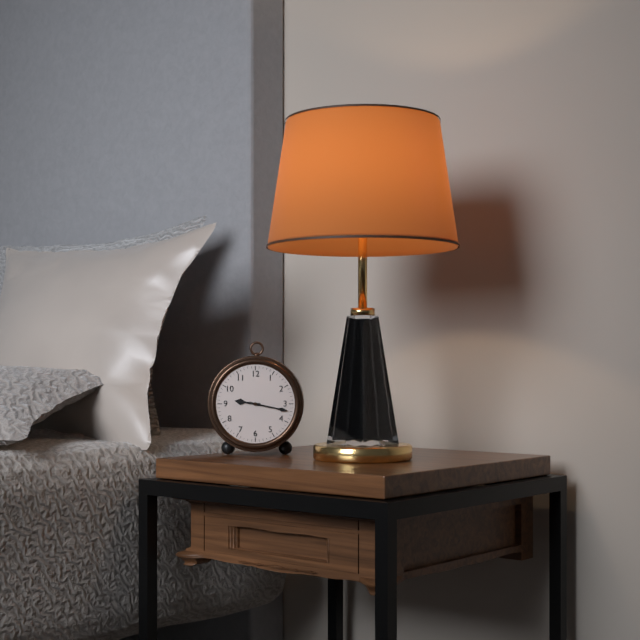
h=9 m=17
